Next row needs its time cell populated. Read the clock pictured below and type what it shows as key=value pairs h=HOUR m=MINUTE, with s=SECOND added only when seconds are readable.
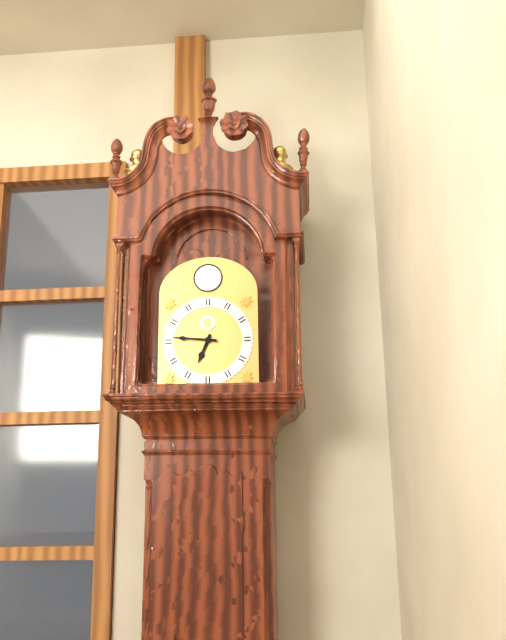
h=6 m=46
